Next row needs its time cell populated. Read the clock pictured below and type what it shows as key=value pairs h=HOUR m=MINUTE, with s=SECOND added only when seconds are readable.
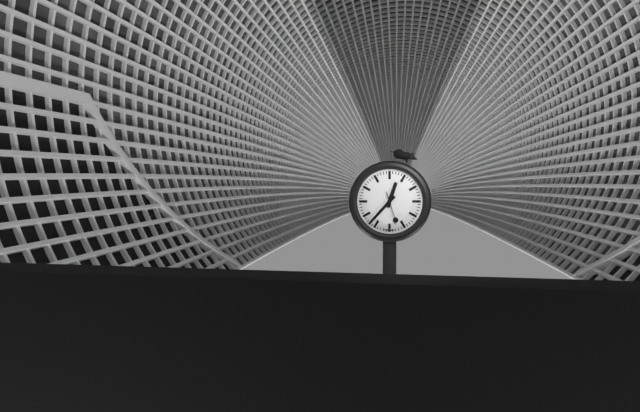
h=12 m=37
